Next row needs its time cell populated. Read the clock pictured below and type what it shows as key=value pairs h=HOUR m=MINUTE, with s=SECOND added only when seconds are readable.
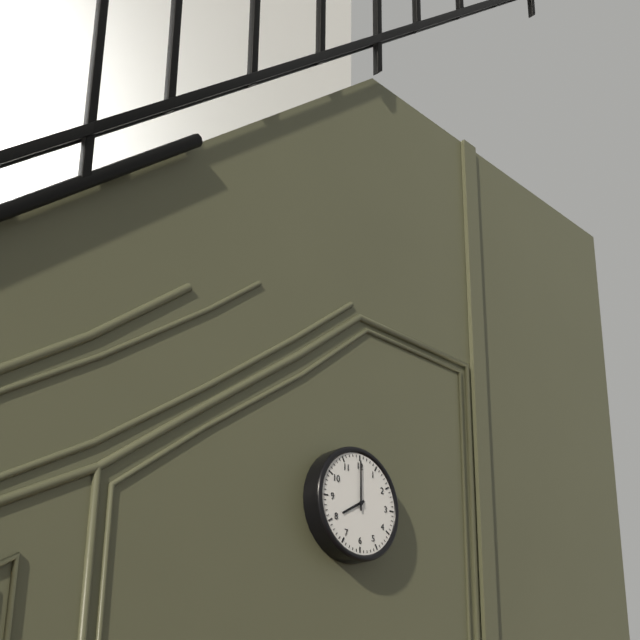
h=8 m=0
